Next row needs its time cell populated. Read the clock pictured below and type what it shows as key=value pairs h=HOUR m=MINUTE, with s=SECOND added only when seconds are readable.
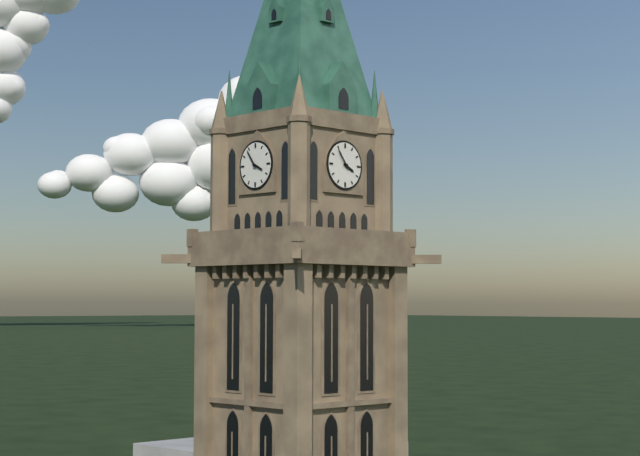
h=3 m=54
